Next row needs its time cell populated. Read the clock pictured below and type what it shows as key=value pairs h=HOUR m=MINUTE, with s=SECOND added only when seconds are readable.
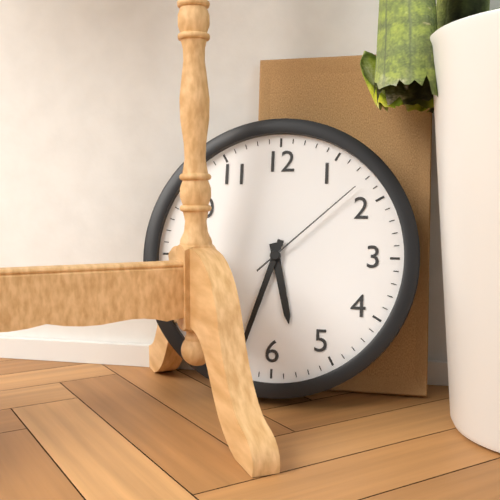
h=5 m=33 s=8
